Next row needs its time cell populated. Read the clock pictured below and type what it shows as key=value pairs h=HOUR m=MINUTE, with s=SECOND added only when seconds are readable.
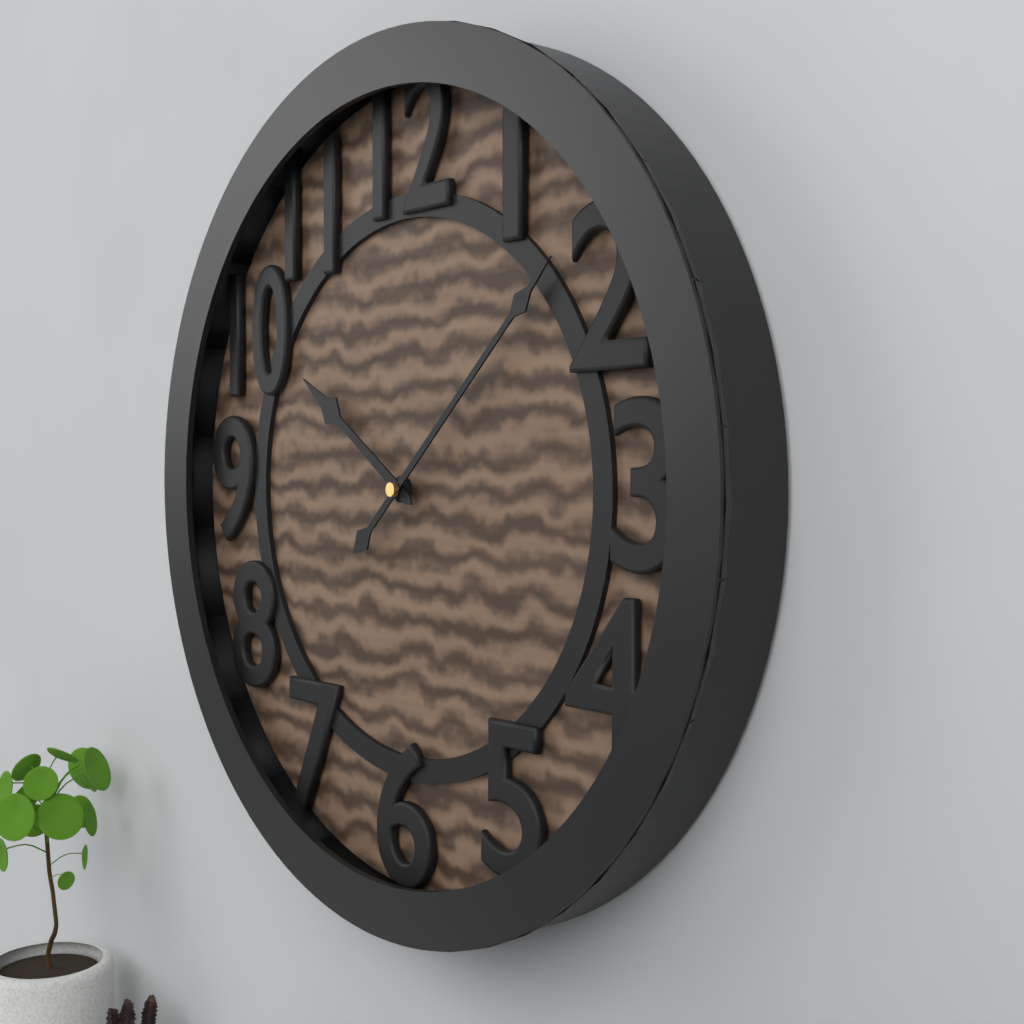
h=10 m=8
